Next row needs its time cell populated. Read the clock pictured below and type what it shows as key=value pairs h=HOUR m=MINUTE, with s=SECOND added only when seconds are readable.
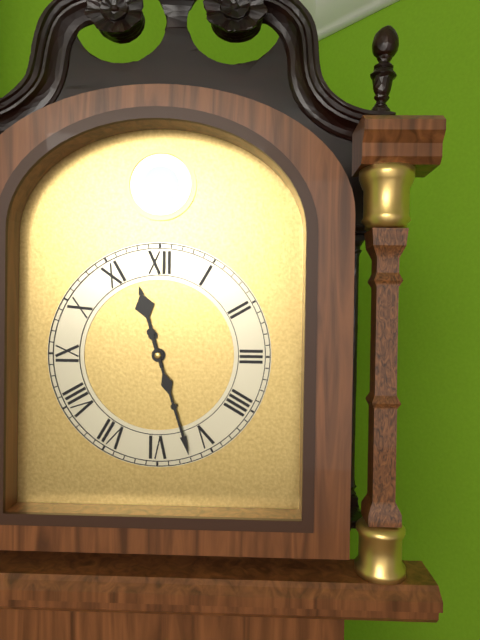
h=11 m=27
